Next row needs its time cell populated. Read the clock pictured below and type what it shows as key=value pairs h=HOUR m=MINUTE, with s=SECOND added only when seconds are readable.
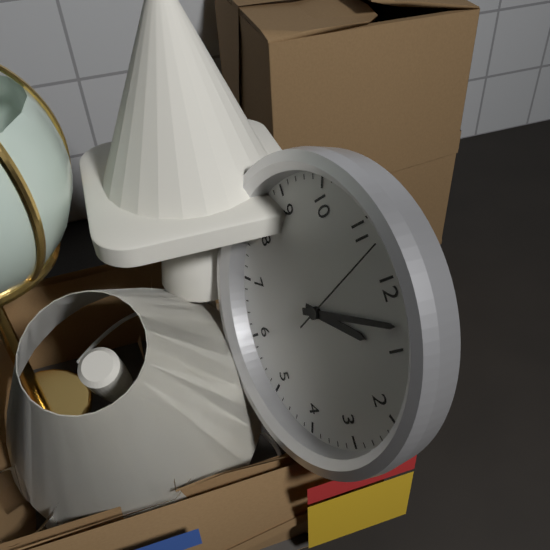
h=1 m=3 s=57
